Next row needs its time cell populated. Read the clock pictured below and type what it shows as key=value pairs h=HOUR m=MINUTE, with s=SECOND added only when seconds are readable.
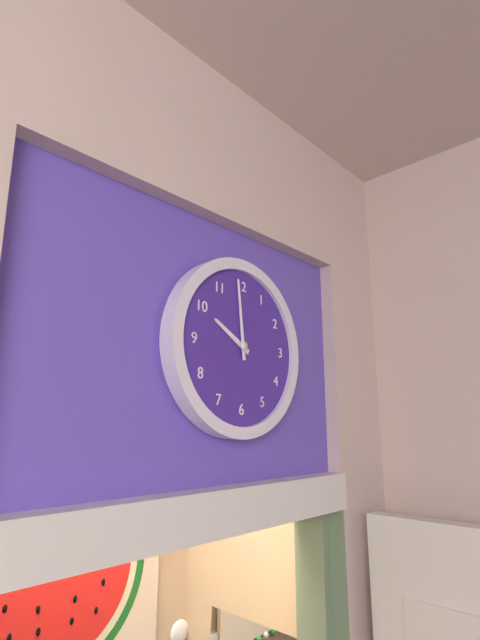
h=9 m=59
